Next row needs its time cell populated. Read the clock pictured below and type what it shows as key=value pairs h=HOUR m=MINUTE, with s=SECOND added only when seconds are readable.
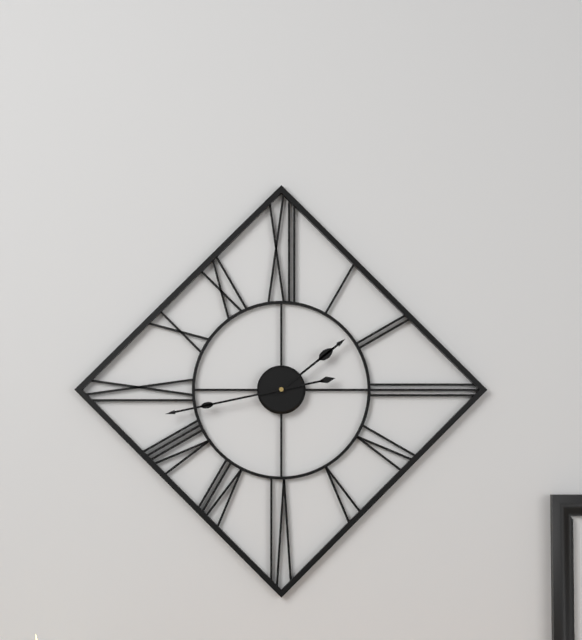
h=1 m=43
